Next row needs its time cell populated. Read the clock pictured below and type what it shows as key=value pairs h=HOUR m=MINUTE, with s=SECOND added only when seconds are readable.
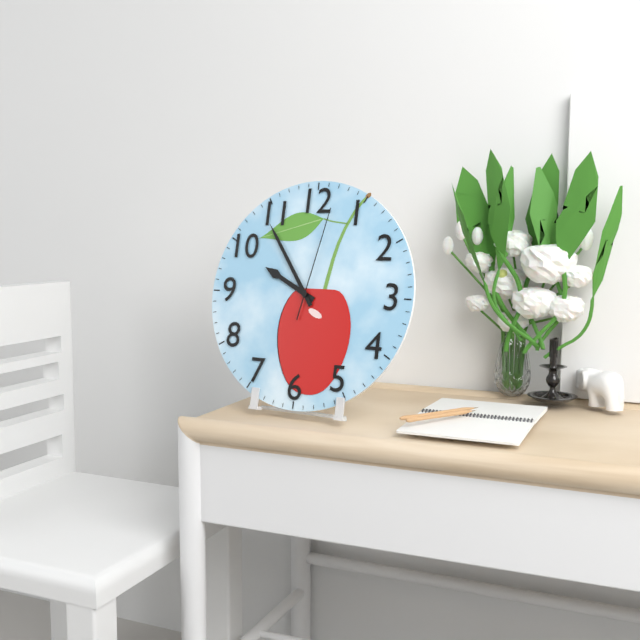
h=9 m=54 s=2
